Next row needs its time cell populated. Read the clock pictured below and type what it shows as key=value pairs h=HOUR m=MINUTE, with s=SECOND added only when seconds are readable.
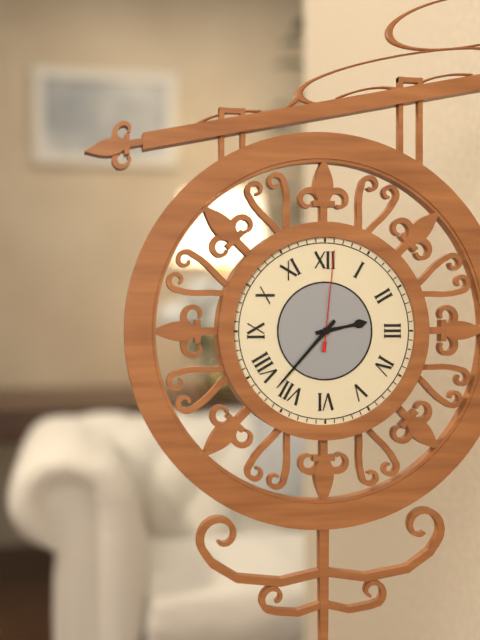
h=2 m=37 s=1
